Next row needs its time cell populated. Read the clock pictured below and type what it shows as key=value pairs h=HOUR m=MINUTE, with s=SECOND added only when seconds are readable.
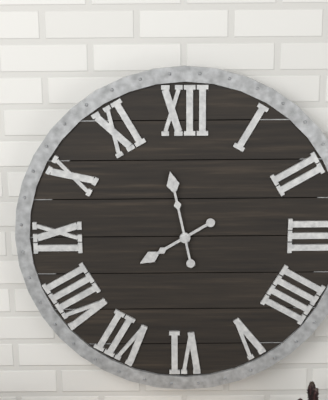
h=7 m=58
